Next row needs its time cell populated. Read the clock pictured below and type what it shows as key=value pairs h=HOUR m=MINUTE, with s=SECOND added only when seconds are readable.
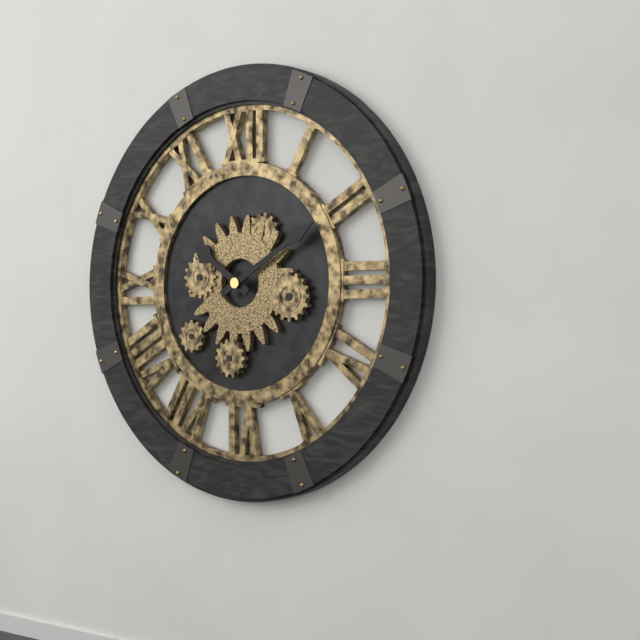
h=10 m=10
